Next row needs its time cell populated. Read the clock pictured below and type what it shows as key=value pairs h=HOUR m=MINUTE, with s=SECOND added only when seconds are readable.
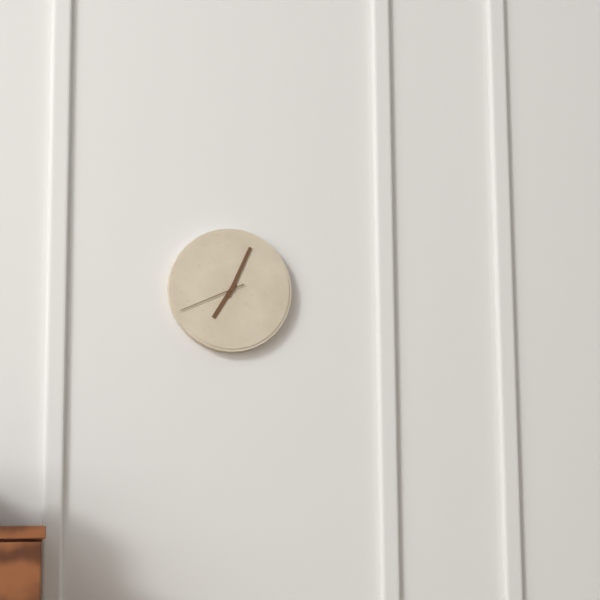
h=7 m=4 s=41
